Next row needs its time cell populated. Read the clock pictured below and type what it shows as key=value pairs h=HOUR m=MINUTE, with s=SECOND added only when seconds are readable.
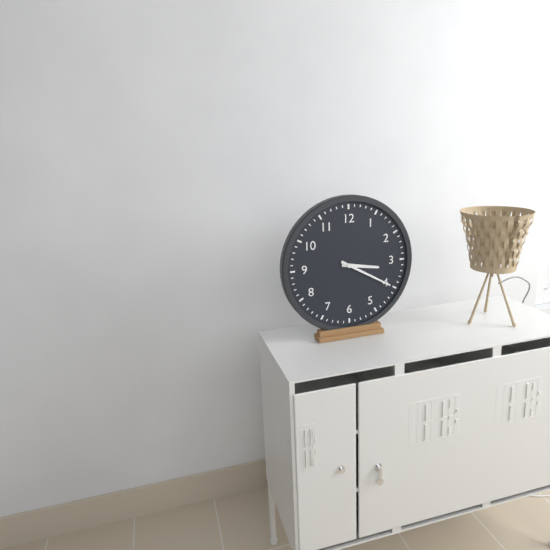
h=3 m=20
